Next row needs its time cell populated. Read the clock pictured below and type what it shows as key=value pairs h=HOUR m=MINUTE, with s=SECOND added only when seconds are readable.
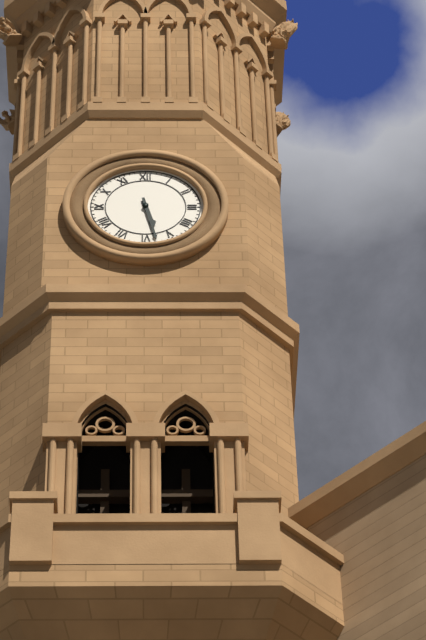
h=5 m=28
